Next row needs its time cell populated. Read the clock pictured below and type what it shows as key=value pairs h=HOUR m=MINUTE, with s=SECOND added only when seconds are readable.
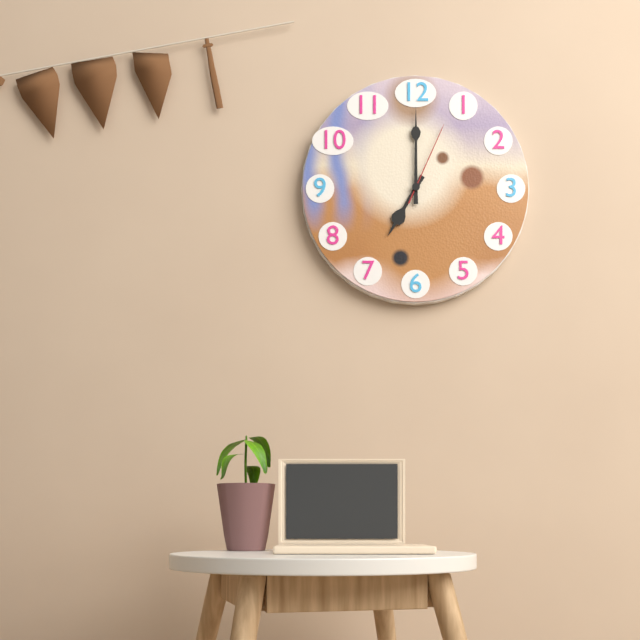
h=7 m=0 s=4
